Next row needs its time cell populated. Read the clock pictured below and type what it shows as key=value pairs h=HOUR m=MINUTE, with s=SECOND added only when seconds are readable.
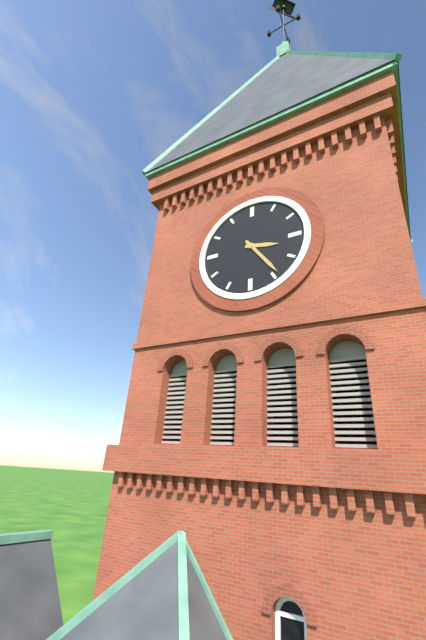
h=3 m=24
